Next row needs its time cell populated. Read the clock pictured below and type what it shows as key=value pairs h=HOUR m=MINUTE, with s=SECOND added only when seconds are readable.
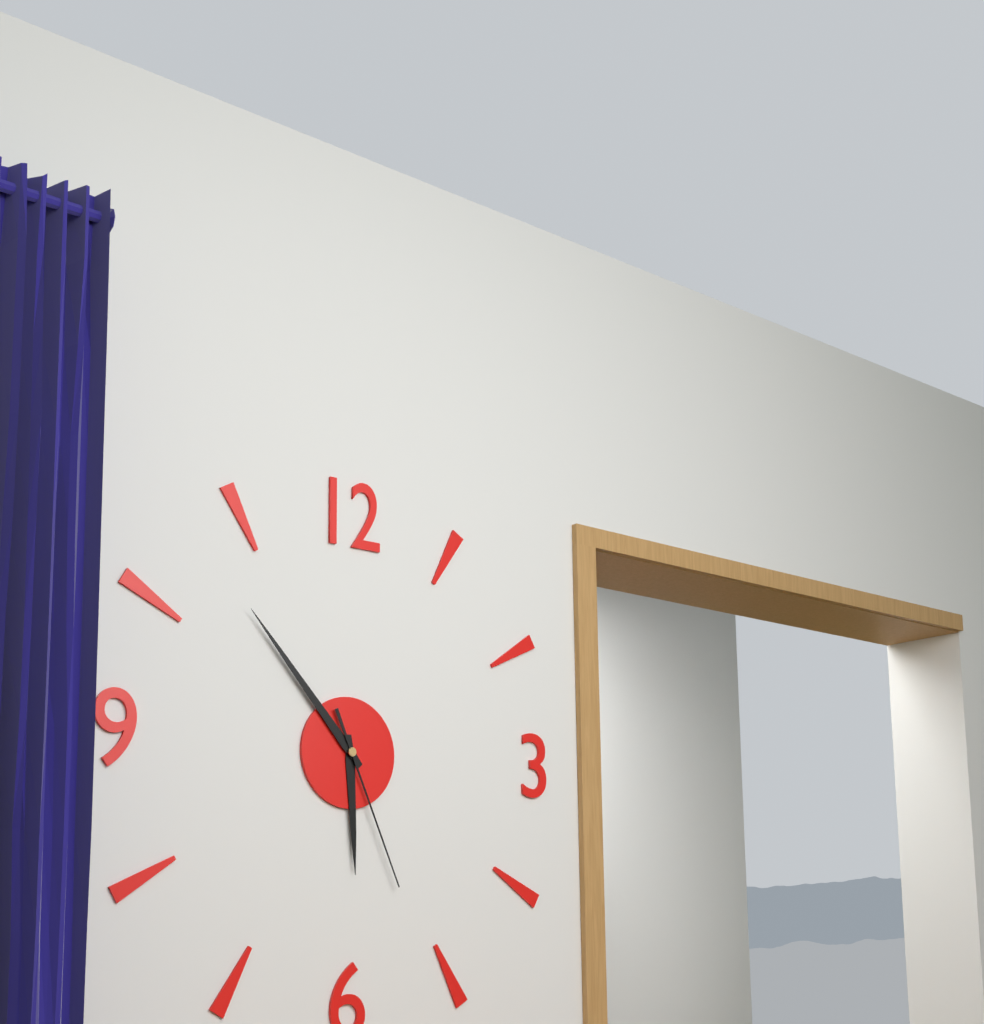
h=5 m=53 s=26
